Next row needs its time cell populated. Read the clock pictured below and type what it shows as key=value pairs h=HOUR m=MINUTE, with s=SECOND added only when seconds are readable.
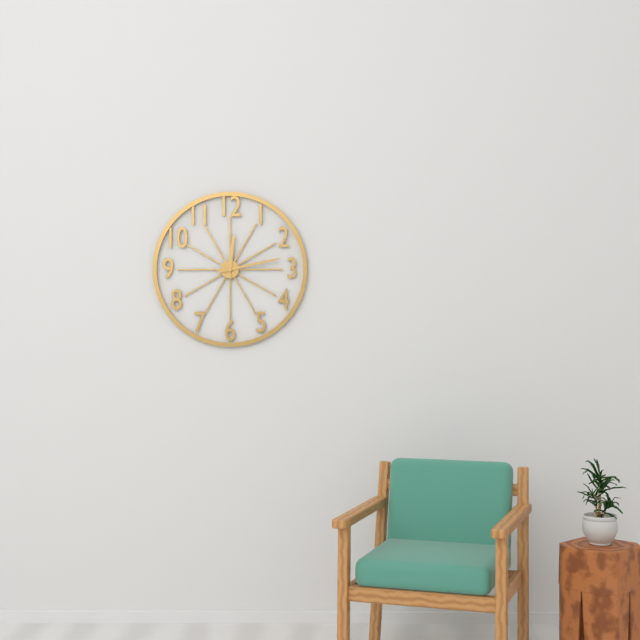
h=12 m=13
